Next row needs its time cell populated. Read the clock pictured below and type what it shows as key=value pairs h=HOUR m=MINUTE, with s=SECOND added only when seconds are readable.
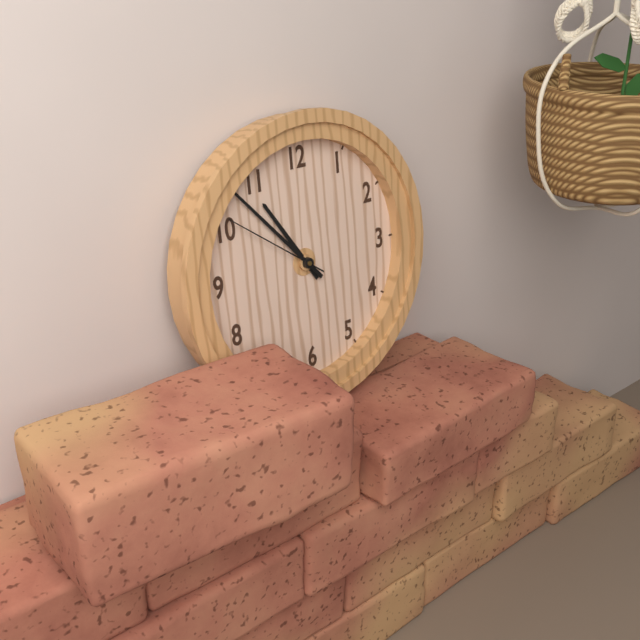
h=10 m=53 s=51
